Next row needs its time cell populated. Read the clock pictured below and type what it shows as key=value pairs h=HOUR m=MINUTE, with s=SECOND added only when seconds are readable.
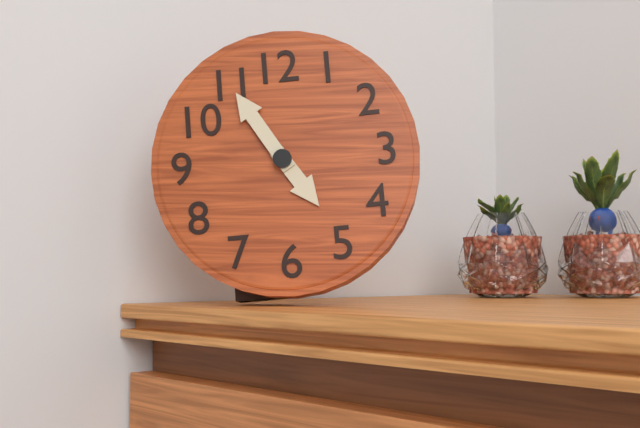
h=4 m=55
